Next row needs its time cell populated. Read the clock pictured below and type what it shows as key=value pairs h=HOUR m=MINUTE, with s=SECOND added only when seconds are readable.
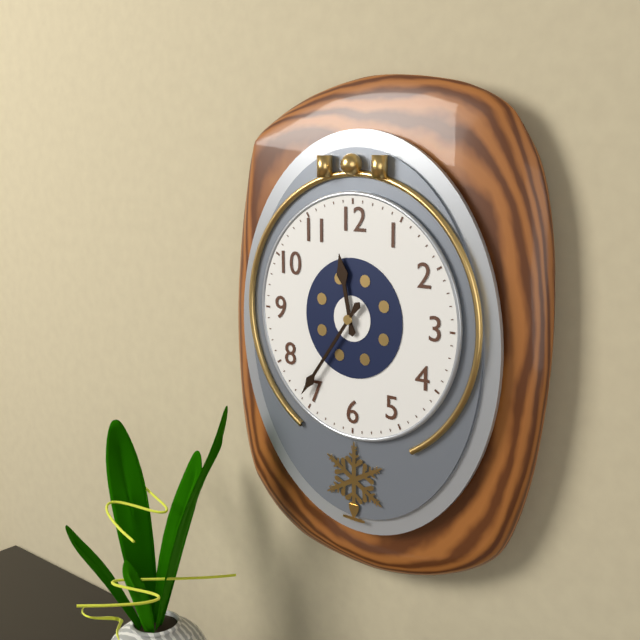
h=11 m=36
